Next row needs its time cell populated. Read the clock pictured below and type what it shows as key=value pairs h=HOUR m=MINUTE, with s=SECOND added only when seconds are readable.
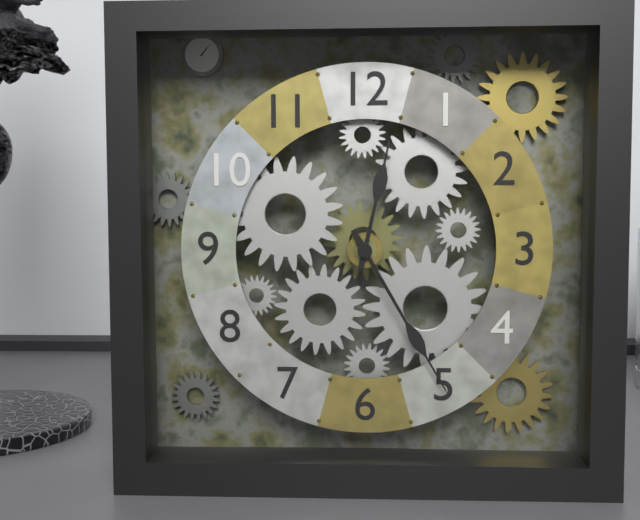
h=12 m=25
